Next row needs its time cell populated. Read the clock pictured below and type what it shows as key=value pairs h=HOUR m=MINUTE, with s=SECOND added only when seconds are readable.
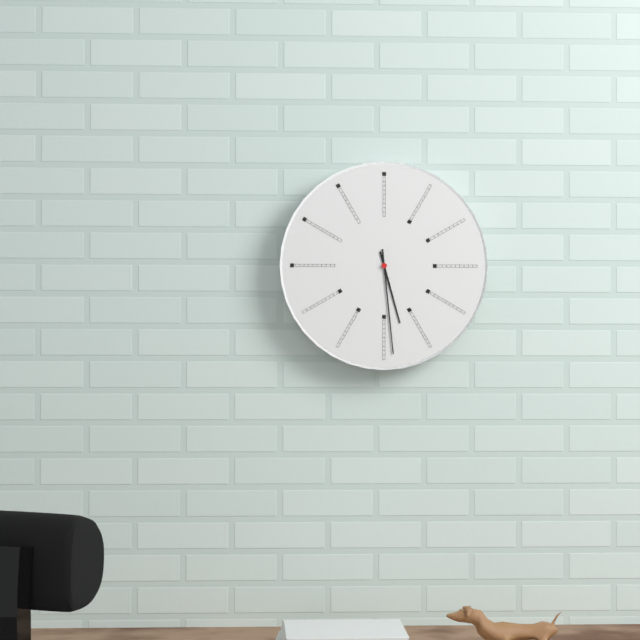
h=5 m=29
